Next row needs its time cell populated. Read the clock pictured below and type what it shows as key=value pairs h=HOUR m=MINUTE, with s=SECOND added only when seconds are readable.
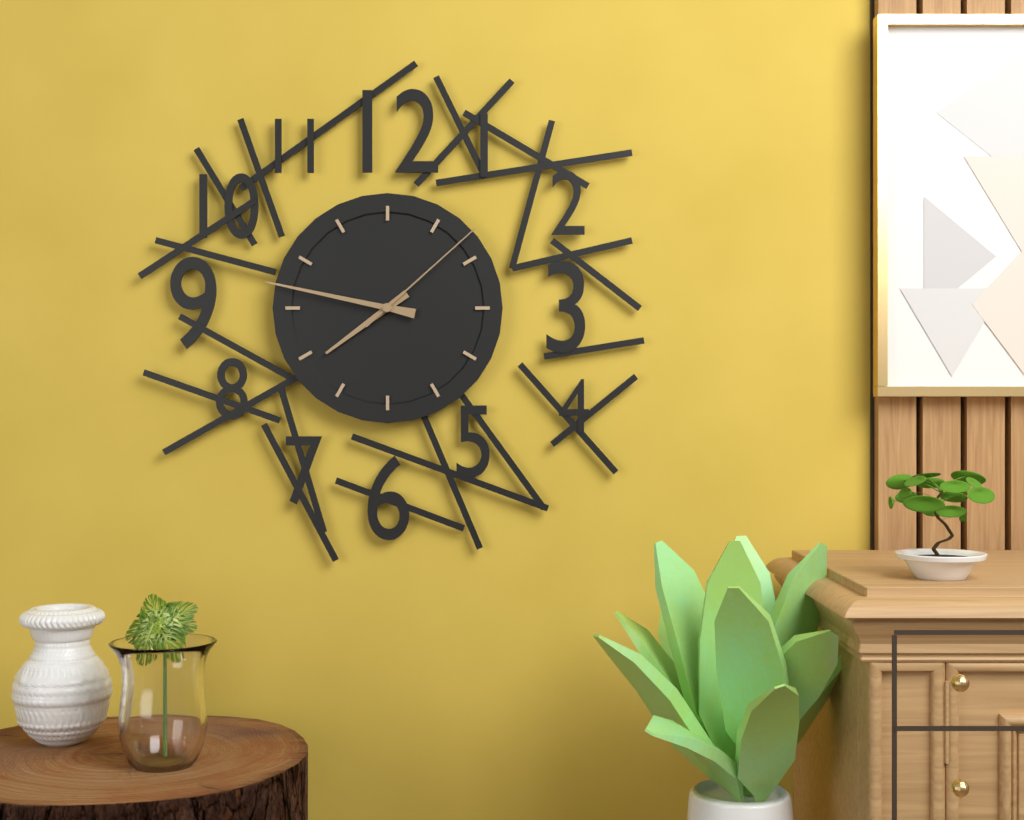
h=7 m=47 s=8
